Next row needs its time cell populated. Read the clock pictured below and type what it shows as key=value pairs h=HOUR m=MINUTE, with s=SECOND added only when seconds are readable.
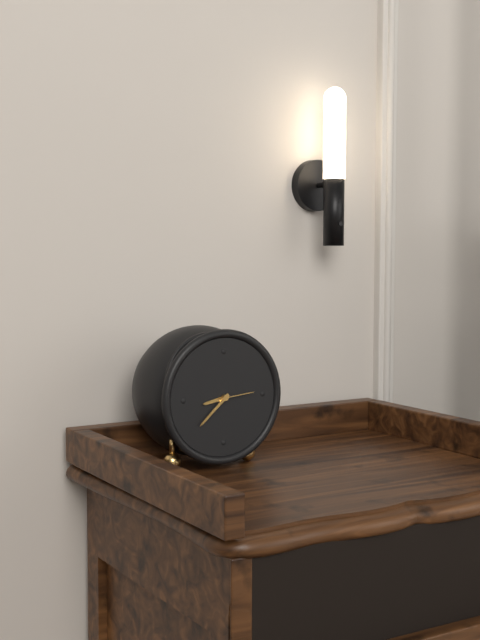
h=8 m=38
